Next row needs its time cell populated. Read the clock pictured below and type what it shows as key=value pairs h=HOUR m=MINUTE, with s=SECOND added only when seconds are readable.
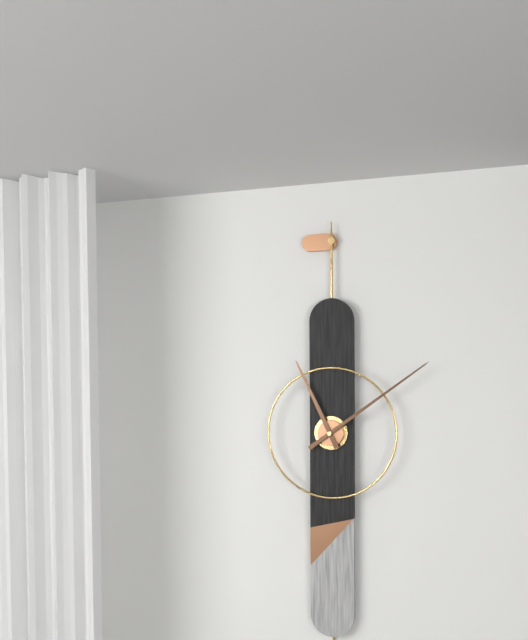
h=11 m=9
